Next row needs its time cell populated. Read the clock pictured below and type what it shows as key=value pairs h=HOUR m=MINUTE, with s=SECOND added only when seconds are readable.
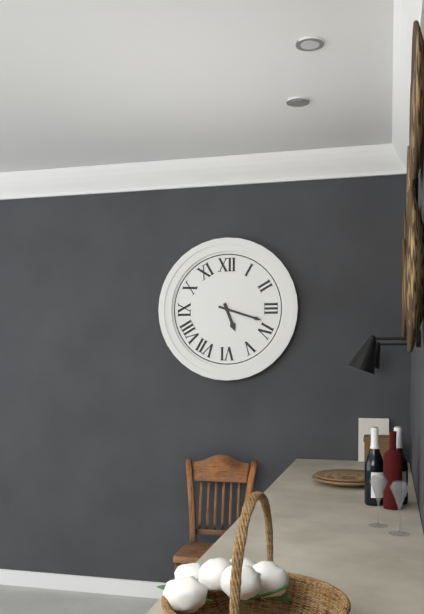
h=5 m=18
